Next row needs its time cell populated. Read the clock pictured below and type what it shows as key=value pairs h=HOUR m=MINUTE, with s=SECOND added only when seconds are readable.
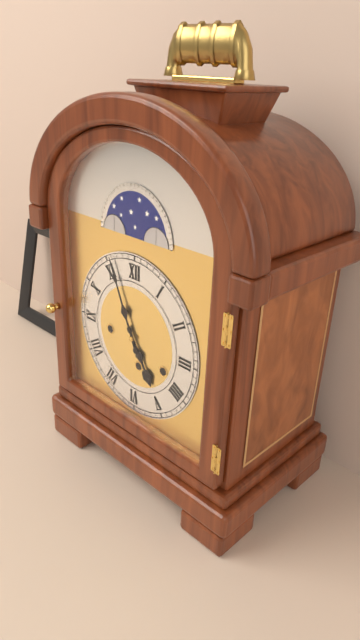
h=4 m=56
